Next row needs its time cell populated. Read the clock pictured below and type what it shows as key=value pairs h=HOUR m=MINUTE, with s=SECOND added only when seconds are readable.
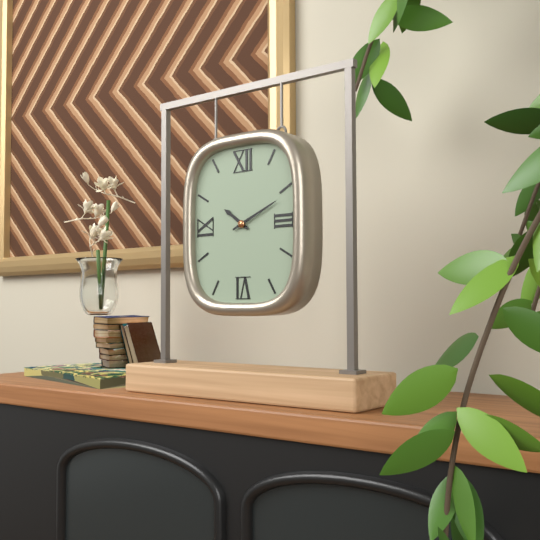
h=10 m=11
